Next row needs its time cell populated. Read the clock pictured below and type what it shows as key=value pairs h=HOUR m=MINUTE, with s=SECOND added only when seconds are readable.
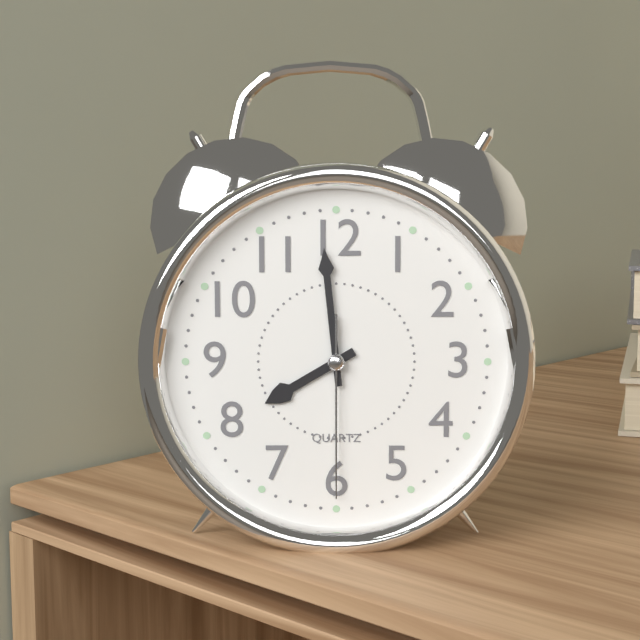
h=7 m=59 s=30
